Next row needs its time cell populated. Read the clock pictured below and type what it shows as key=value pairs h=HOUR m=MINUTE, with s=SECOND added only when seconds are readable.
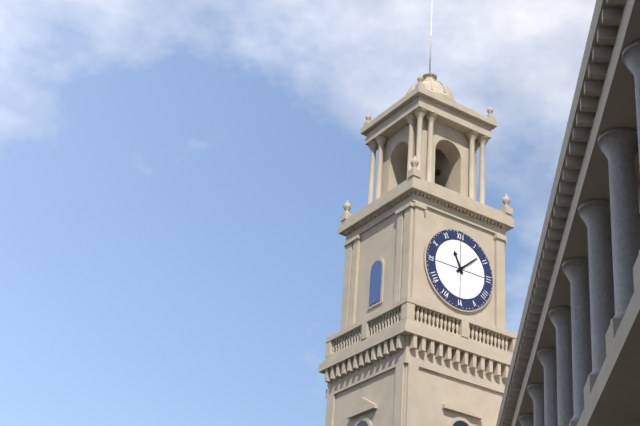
h=11 m=8
